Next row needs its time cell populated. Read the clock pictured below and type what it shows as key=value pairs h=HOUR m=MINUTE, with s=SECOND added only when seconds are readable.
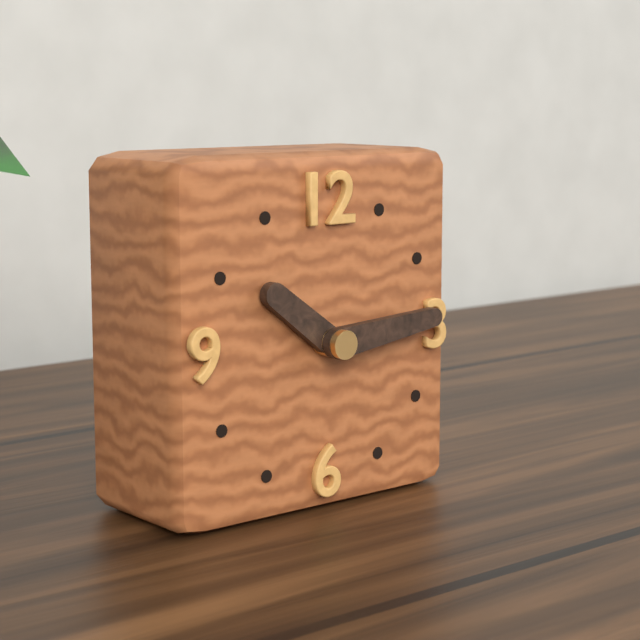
h=10 m=14
